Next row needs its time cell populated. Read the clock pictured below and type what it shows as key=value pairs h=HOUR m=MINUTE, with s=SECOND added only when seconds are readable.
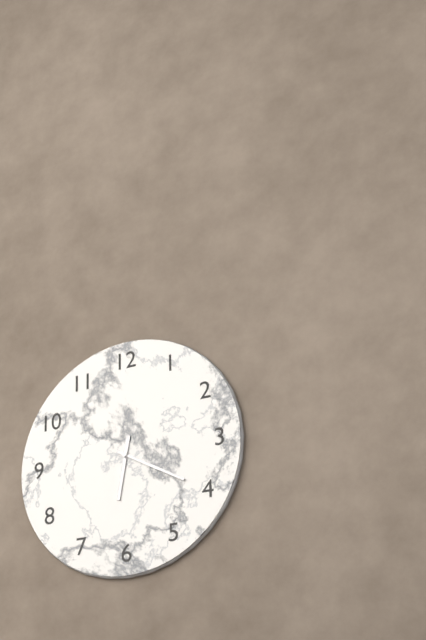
h=6 m=20
